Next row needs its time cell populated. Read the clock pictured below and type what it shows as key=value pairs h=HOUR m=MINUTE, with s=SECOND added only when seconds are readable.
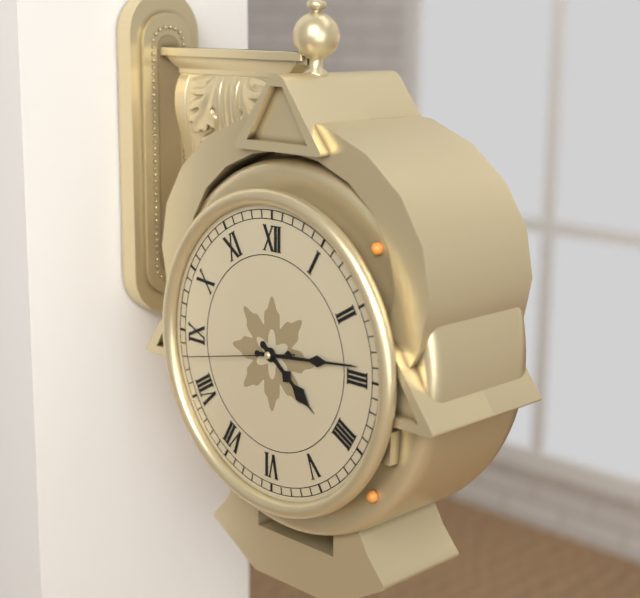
h=4 m=14 s=43
